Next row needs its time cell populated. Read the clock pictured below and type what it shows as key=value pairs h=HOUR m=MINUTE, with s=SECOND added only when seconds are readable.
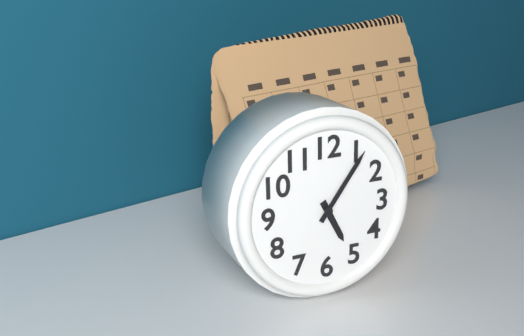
h=5 m=6
